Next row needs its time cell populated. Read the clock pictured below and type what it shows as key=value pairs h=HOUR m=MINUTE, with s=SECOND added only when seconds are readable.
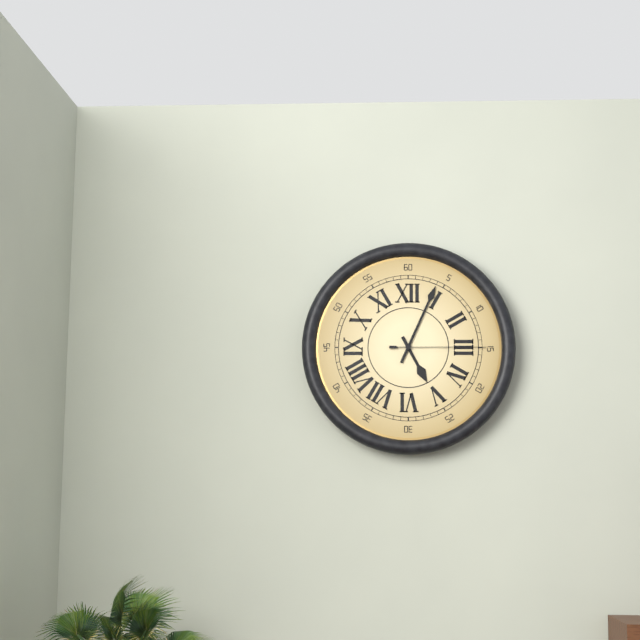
h=5 m=4 s=15
